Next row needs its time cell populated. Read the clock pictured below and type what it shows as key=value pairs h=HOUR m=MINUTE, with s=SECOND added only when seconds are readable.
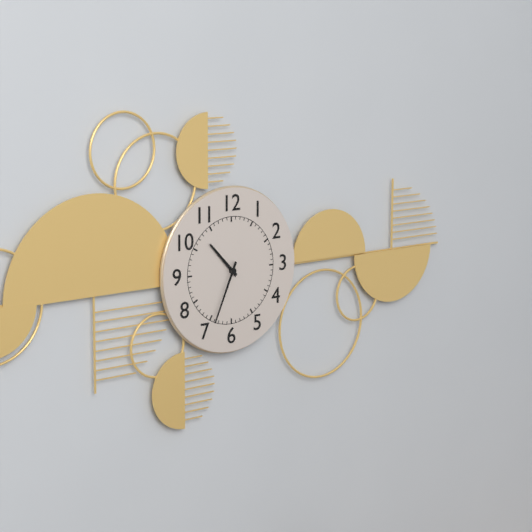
h=10 m=34
